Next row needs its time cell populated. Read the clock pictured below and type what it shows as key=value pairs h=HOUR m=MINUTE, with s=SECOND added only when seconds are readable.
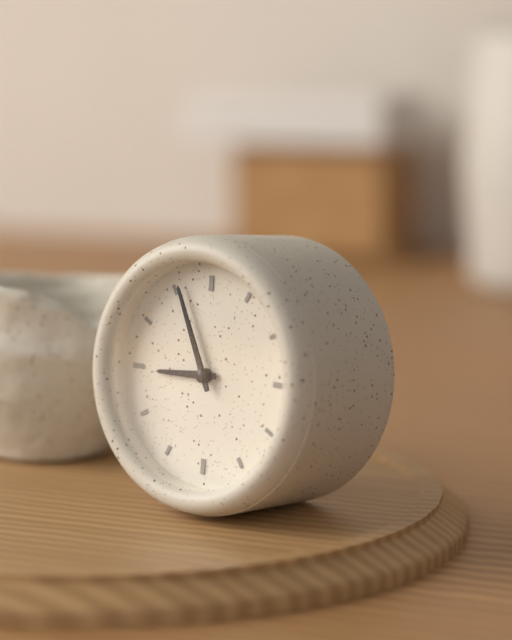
h=8 m=56
